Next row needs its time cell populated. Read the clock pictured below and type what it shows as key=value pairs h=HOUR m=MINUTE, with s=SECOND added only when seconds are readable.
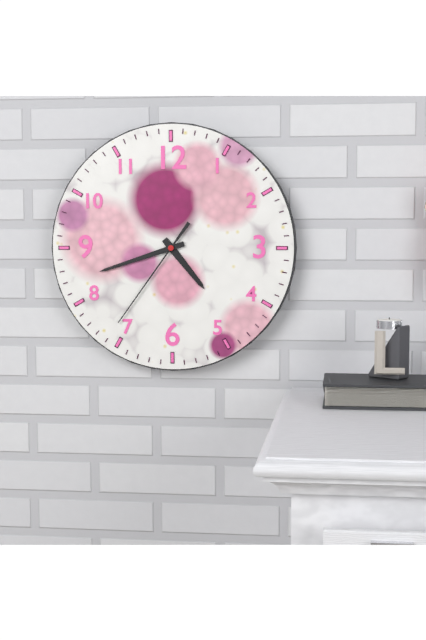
h=4 m=42 s=36
